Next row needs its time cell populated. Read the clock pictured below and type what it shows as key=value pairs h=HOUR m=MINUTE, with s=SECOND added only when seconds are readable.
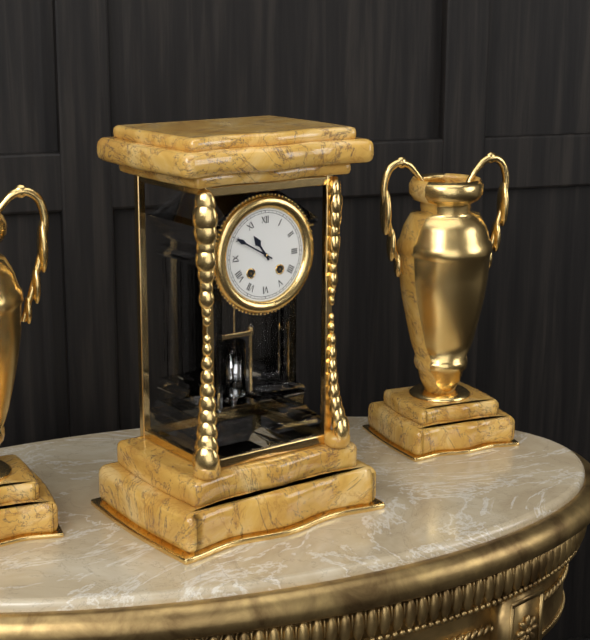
h=10 m=50
